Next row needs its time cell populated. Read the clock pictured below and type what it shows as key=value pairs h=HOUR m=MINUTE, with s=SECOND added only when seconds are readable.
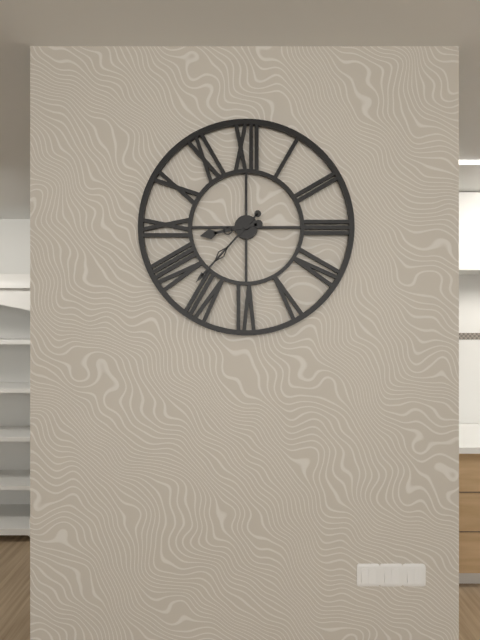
h=8 m=37
